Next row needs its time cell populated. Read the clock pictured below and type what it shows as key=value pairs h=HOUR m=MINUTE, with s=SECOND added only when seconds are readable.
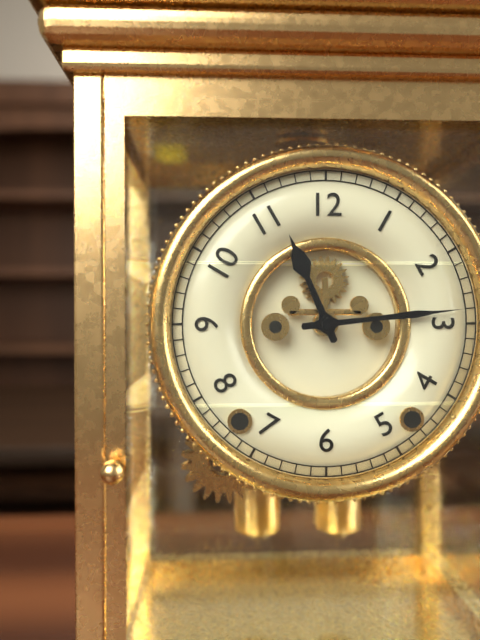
h=11 m=14
